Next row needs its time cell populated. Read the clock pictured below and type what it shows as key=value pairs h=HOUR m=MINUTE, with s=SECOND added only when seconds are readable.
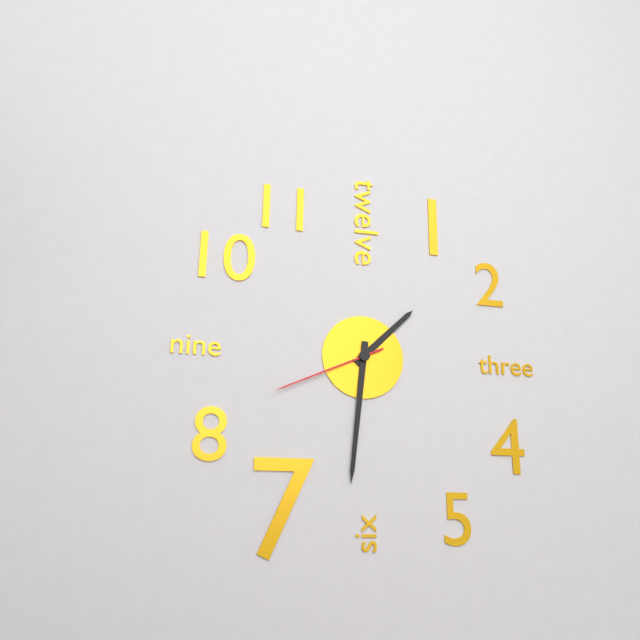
h=1 m=31 s=41
